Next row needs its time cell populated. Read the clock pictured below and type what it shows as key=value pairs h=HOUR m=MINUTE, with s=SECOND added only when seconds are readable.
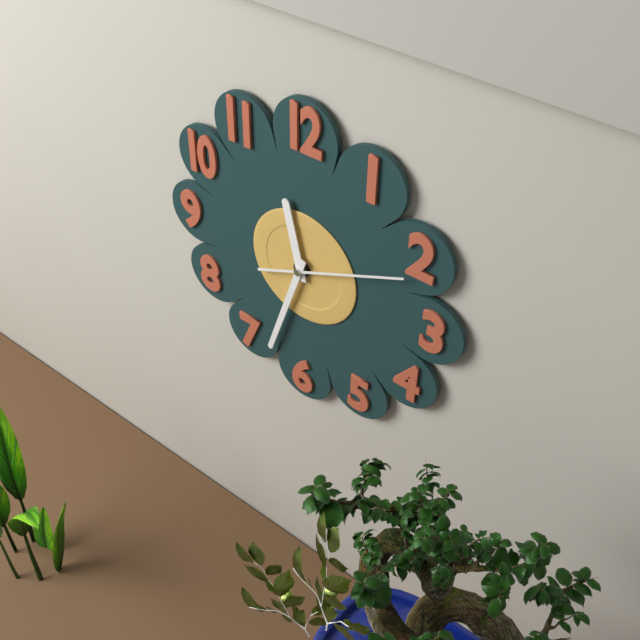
h=11 m=33 s=11
